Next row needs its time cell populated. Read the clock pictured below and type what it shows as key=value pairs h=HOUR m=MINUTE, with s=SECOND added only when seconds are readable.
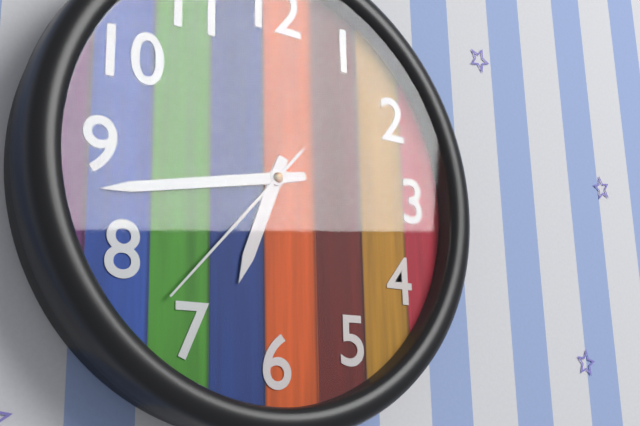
h=6 m=43 s=37
